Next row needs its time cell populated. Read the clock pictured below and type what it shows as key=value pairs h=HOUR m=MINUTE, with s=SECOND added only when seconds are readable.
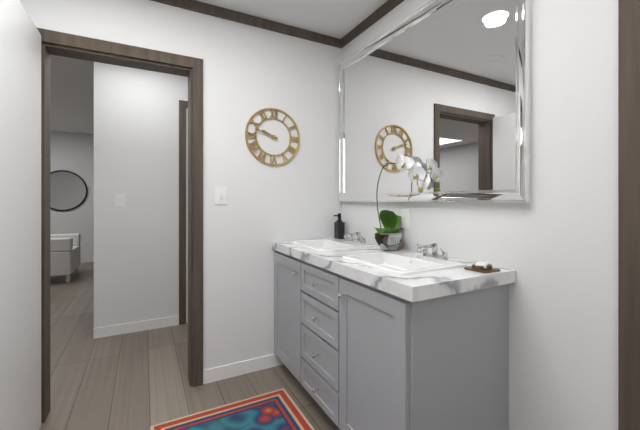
h=9 m=48
